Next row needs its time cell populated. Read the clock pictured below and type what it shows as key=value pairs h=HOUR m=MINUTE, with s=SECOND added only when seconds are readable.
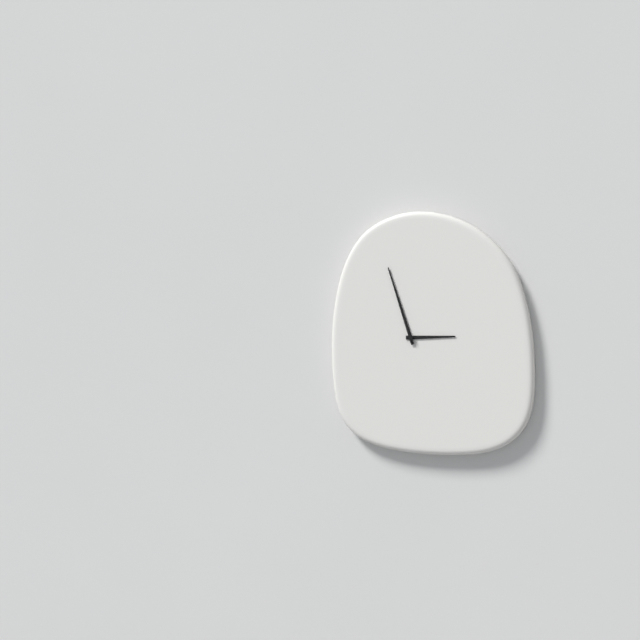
h=2 m=57
